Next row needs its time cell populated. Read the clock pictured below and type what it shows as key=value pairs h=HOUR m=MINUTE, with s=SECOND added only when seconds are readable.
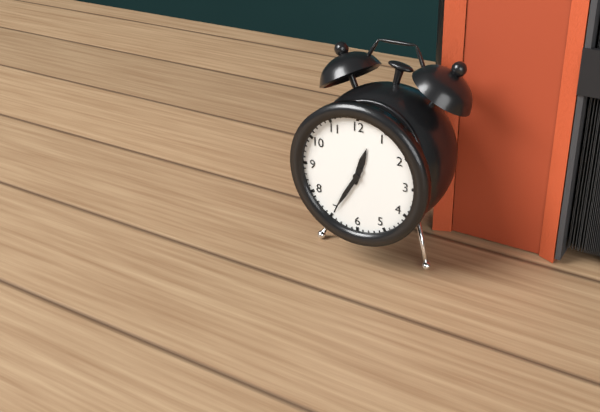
h=12 m=35
